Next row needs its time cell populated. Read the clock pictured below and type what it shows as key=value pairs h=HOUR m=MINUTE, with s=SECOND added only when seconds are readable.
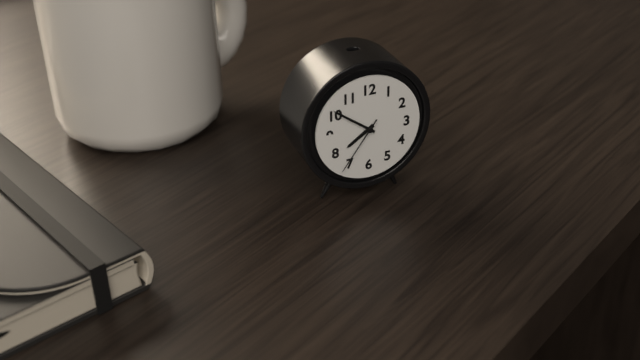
h=7 m=51 s=36
